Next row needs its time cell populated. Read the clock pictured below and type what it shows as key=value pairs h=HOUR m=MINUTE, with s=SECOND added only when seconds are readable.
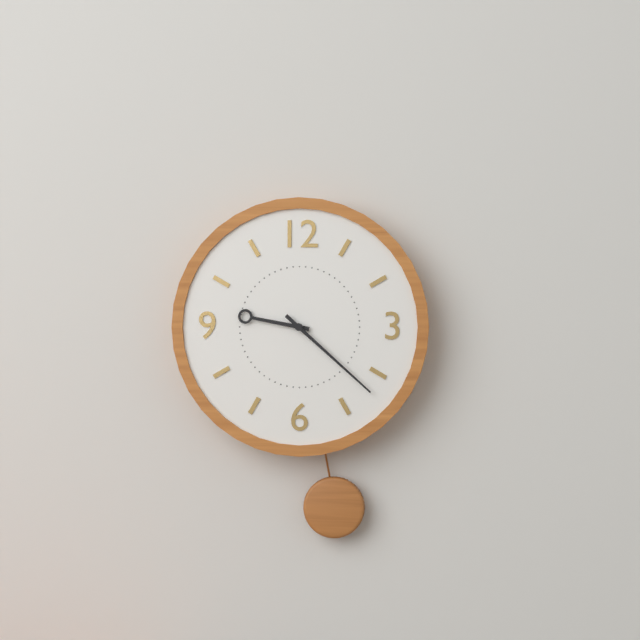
h=9 m=22
